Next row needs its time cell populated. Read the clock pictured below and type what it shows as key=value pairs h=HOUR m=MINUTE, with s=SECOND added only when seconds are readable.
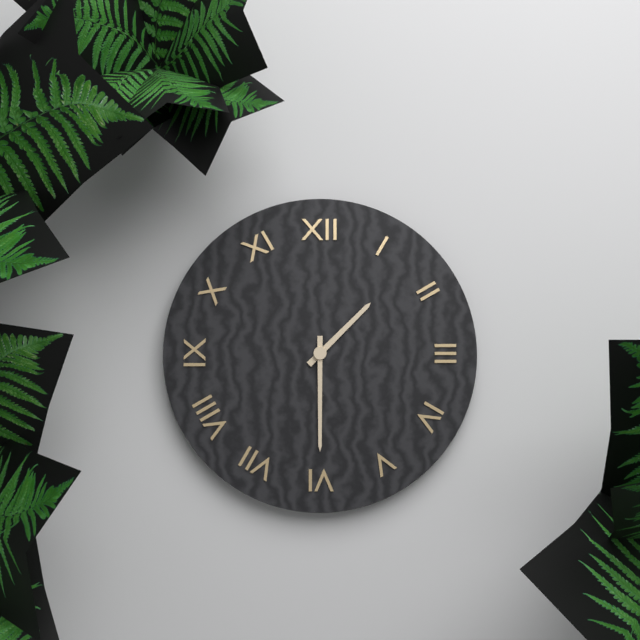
h=1 m=30
